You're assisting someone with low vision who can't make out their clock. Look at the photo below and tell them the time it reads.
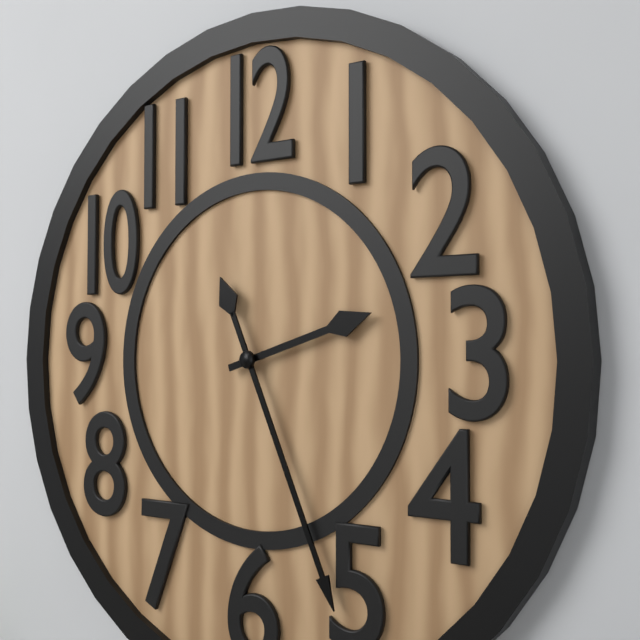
2:26
